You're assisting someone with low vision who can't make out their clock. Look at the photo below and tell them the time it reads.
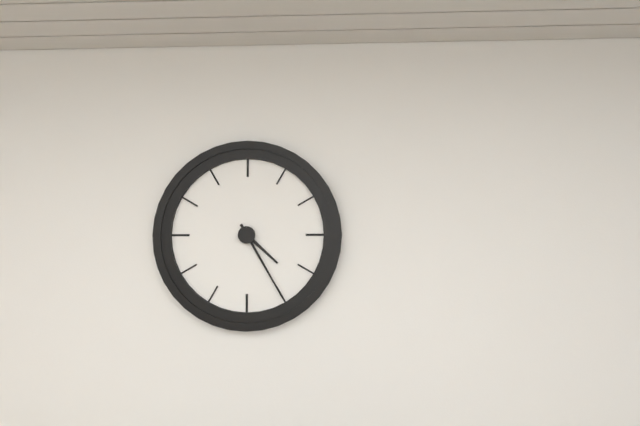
4:25
